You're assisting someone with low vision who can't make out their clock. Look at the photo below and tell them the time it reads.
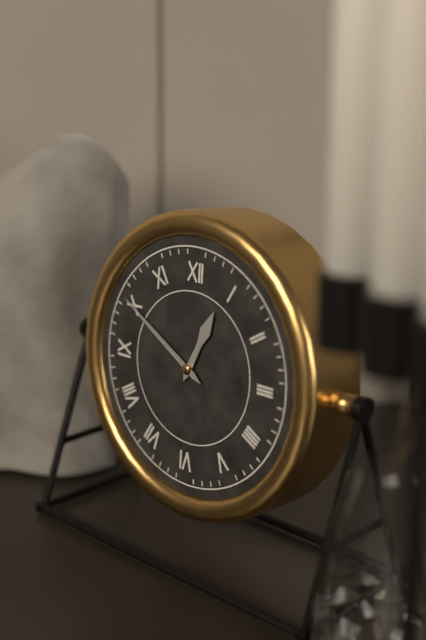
12:50
